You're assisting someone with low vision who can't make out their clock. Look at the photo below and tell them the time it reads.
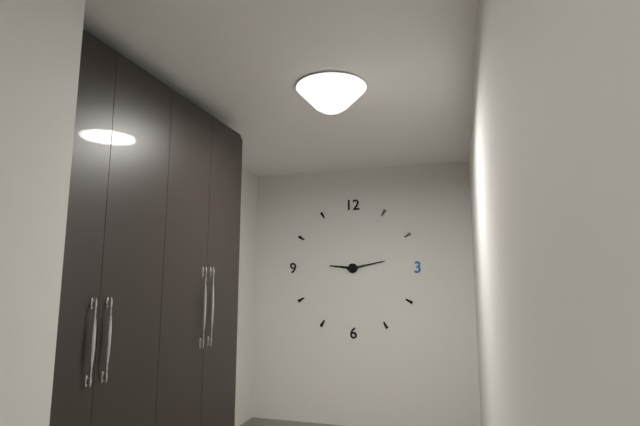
9:13
